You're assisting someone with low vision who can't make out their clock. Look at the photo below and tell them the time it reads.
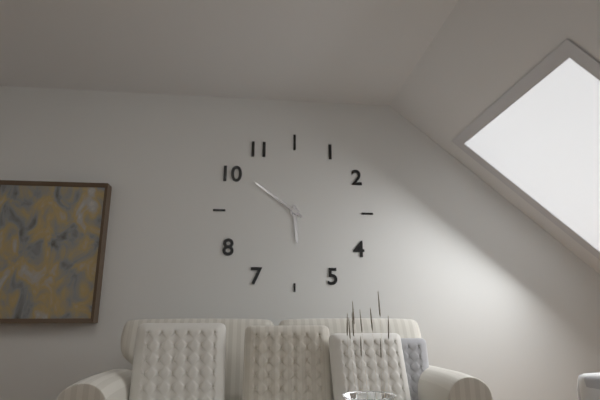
5:51
